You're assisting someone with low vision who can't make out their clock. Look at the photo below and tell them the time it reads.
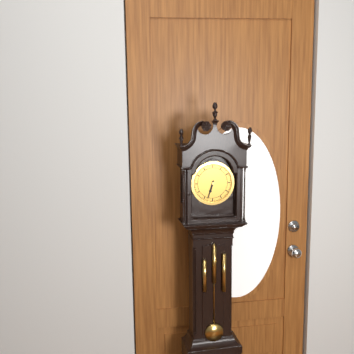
6:33
